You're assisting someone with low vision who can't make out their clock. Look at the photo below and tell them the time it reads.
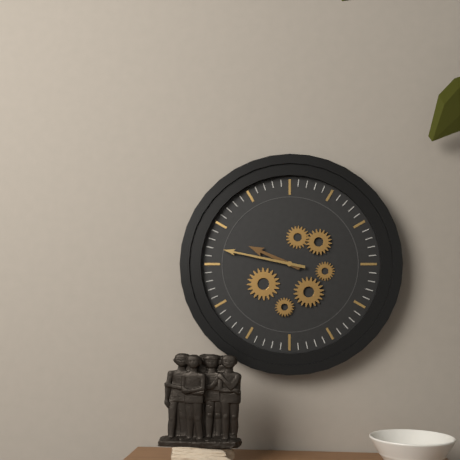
9:47
